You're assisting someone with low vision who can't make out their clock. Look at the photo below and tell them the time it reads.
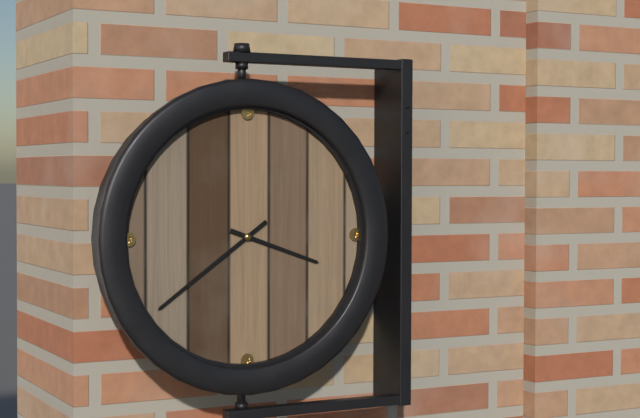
3:39
